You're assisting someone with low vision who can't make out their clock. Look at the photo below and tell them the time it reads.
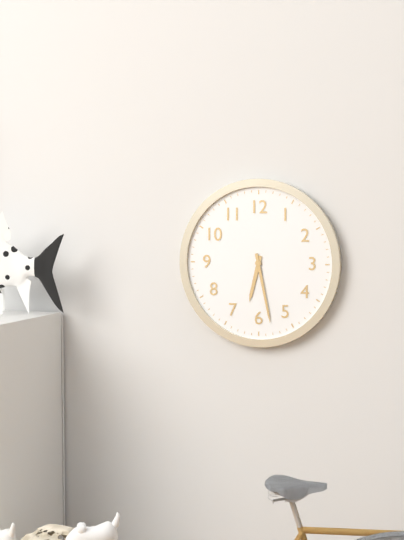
6:28
